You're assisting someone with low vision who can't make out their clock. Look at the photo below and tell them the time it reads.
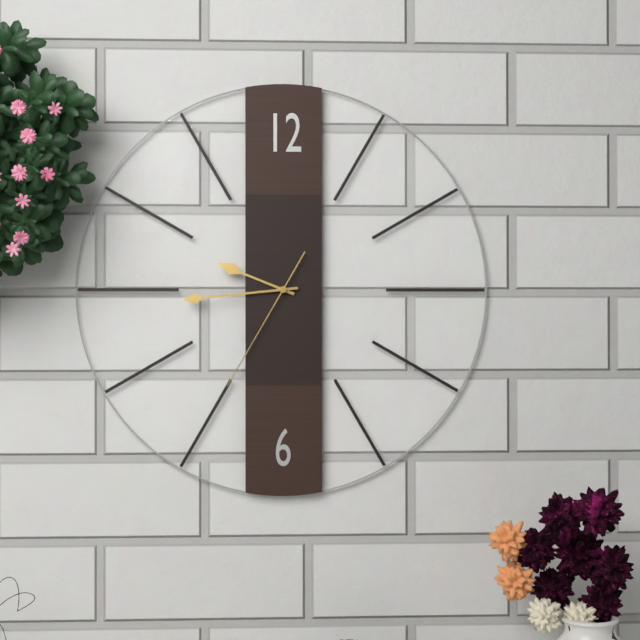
9:44:35
